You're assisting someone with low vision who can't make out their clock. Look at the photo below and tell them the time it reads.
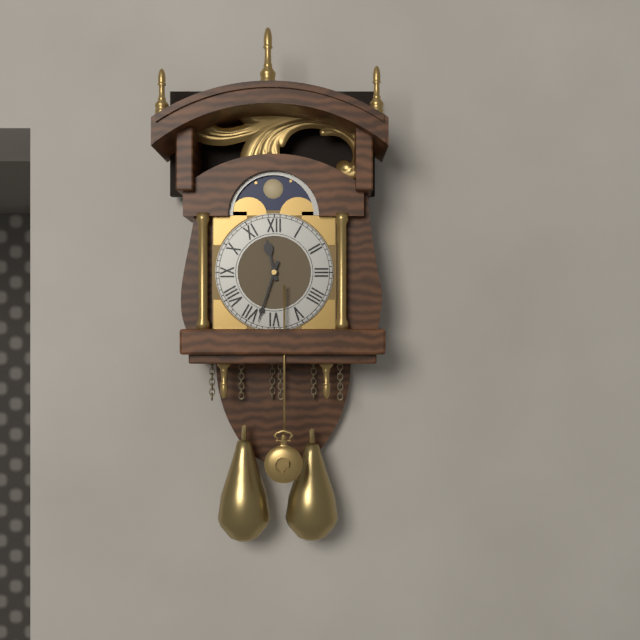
11:33
